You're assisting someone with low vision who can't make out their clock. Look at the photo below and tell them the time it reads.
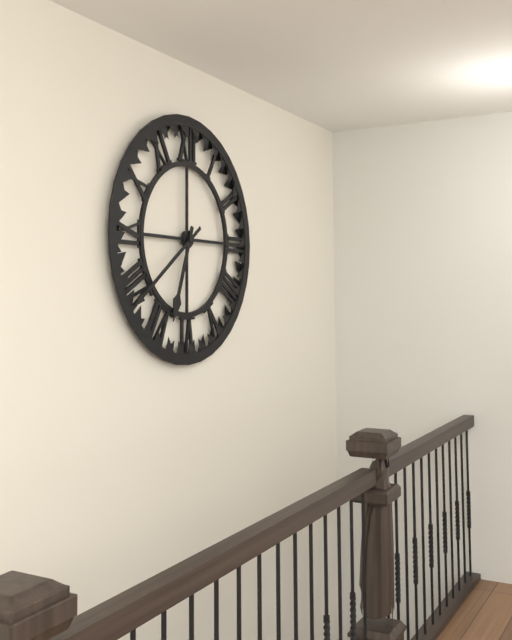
6:39
